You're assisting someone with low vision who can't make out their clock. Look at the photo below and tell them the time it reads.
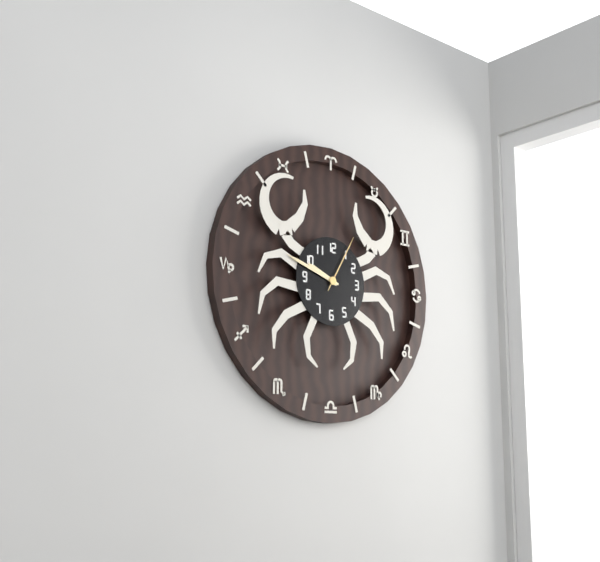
9:48:05
